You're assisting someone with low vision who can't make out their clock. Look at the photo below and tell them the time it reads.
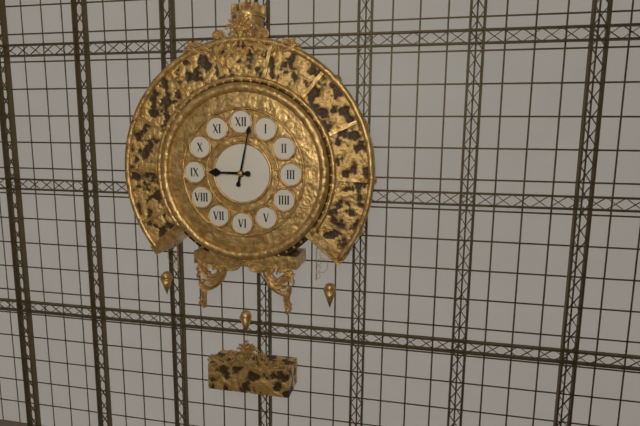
9:02
